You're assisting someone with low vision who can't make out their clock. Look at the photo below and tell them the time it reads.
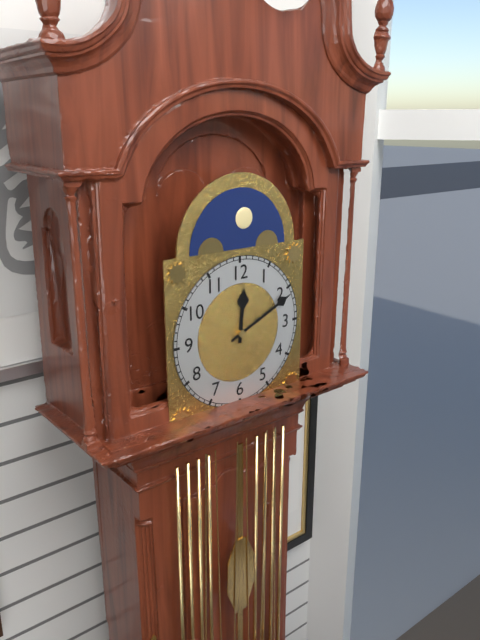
12:11
